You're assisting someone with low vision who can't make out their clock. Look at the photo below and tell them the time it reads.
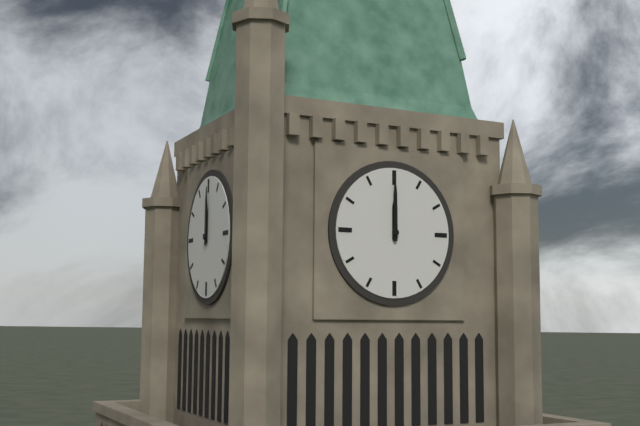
12:00
